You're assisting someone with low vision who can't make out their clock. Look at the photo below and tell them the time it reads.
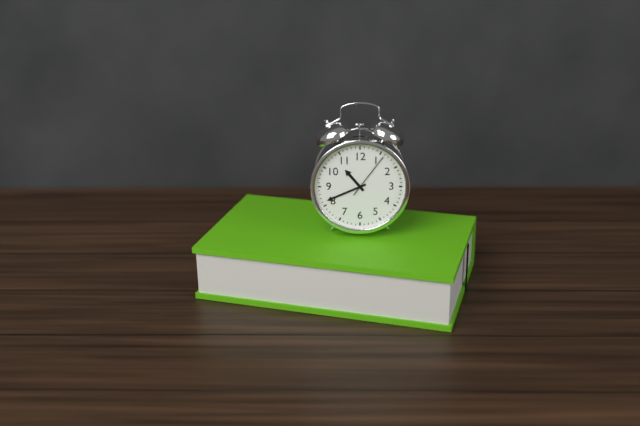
10:41
